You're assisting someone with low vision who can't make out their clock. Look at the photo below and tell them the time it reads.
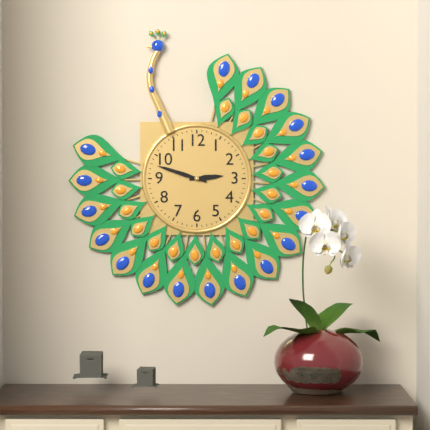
2:48
